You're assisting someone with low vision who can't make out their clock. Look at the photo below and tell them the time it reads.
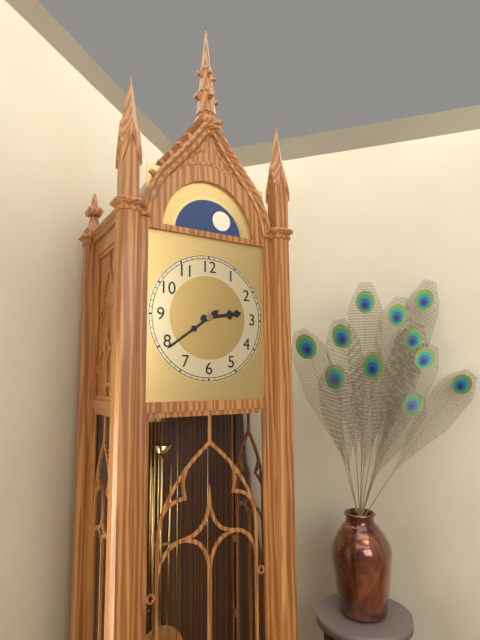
2:39
